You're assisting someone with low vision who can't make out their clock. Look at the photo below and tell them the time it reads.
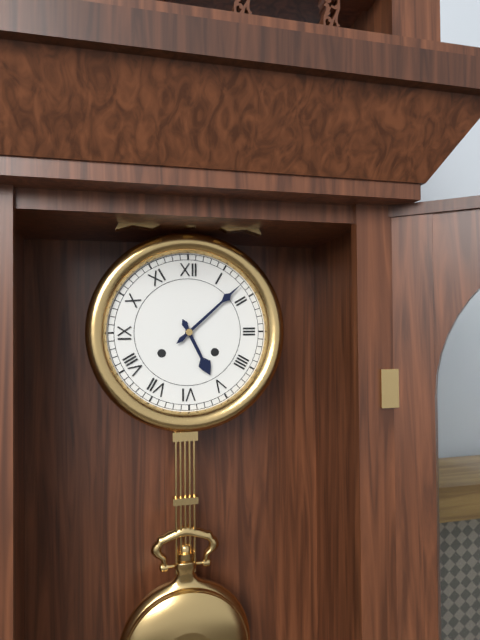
5:08
